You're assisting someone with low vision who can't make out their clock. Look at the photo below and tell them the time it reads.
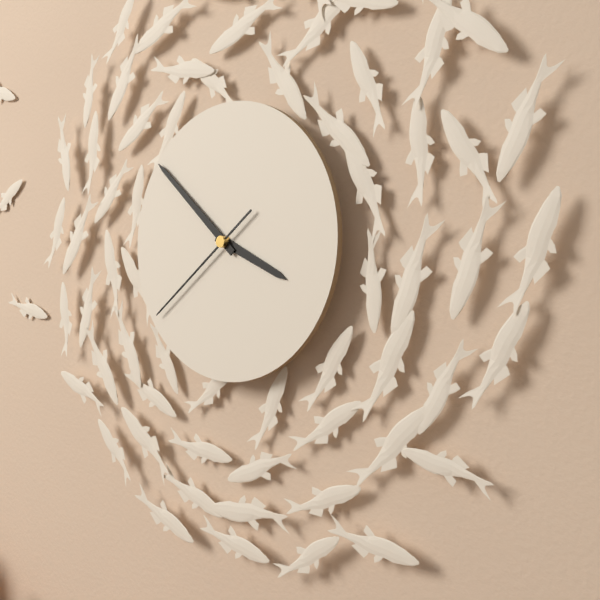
3:52:39
